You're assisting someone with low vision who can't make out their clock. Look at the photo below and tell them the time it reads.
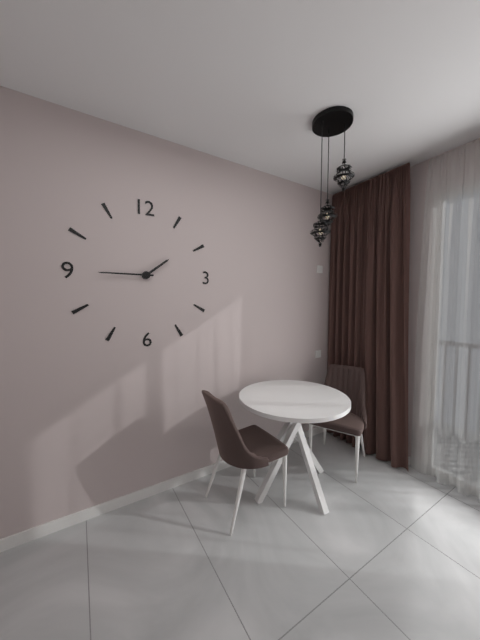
1:45
